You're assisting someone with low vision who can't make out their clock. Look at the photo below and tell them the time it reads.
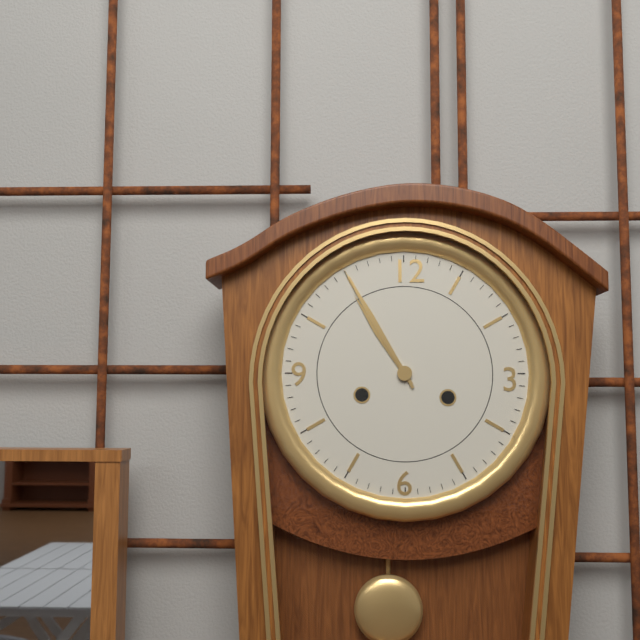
10:55
